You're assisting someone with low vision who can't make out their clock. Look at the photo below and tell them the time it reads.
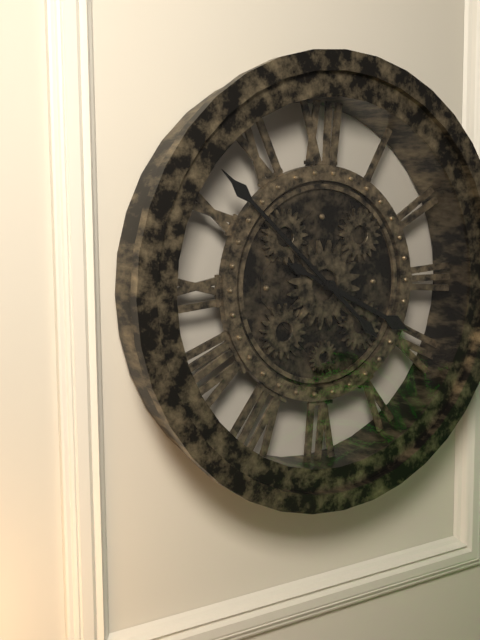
3:52
